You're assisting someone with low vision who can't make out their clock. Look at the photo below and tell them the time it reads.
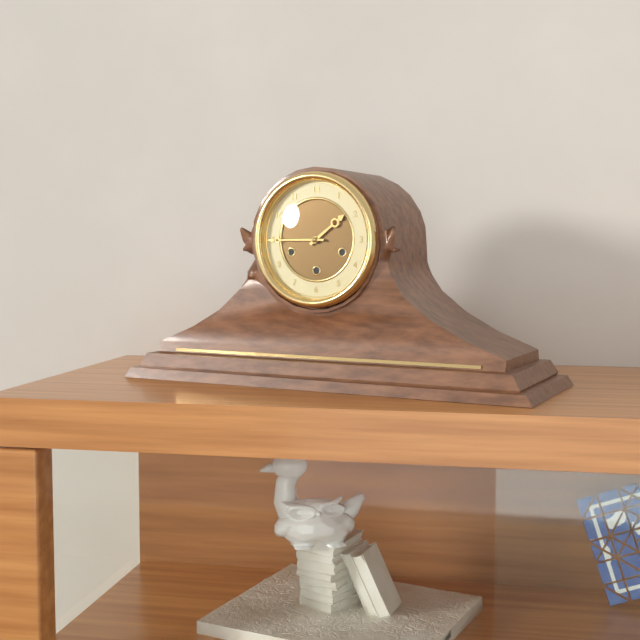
1:45
